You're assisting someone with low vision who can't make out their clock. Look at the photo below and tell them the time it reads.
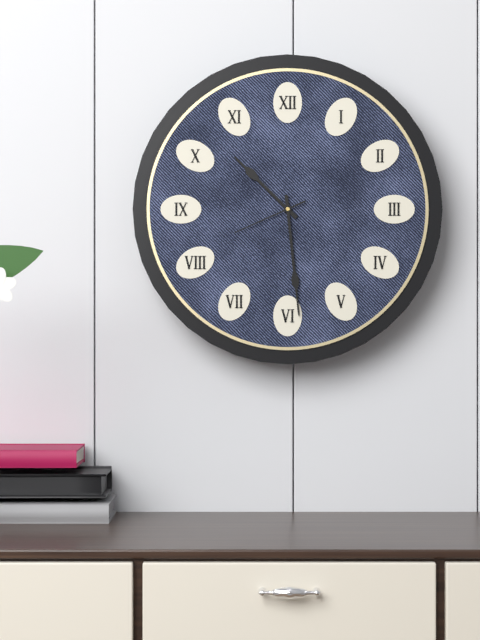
10:29:41
